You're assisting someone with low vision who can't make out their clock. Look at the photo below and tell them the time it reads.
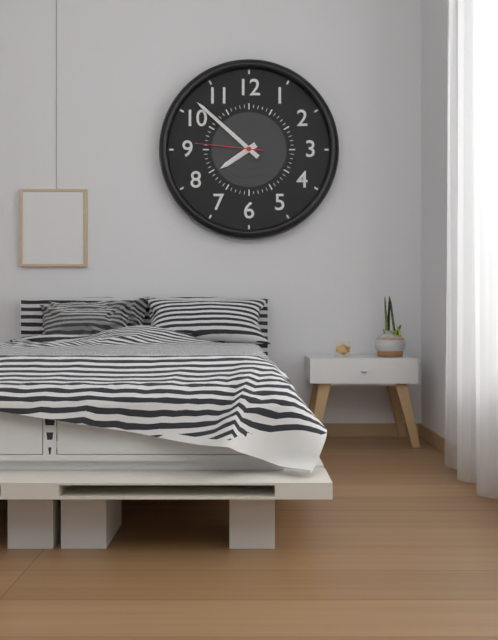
7:52:46
